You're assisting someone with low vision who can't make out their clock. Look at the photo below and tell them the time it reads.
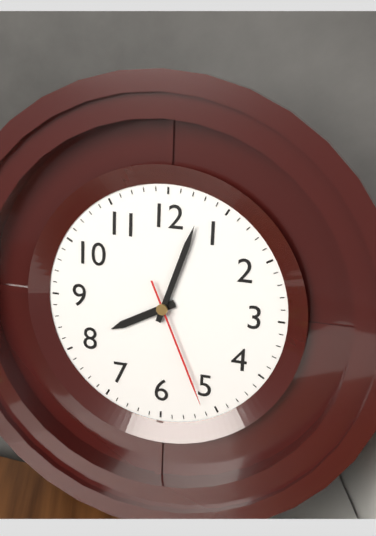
8:03:26
